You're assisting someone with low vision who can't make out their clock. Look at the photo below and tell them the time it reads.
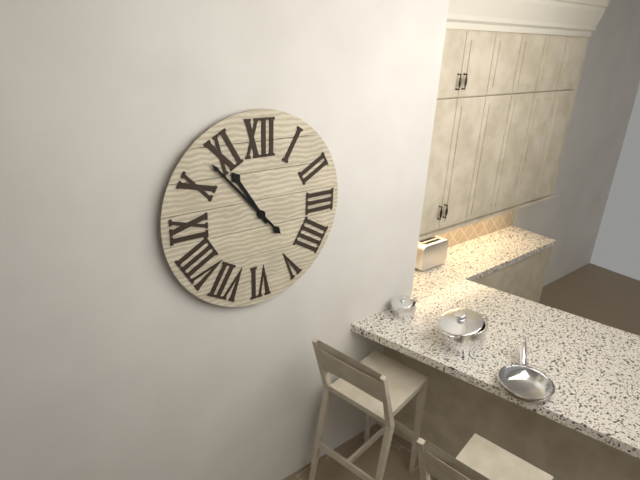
10:53
